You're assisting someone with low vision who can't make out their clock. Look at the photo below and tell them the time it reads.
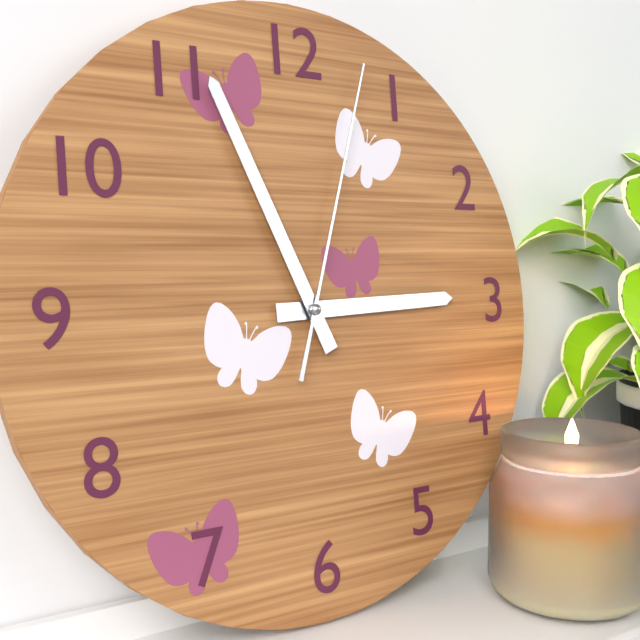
2:56:03
